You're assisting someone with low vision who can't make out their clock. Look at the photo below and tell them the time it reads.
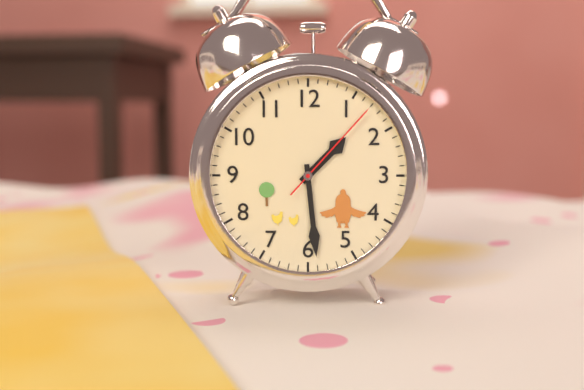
1:29:07
